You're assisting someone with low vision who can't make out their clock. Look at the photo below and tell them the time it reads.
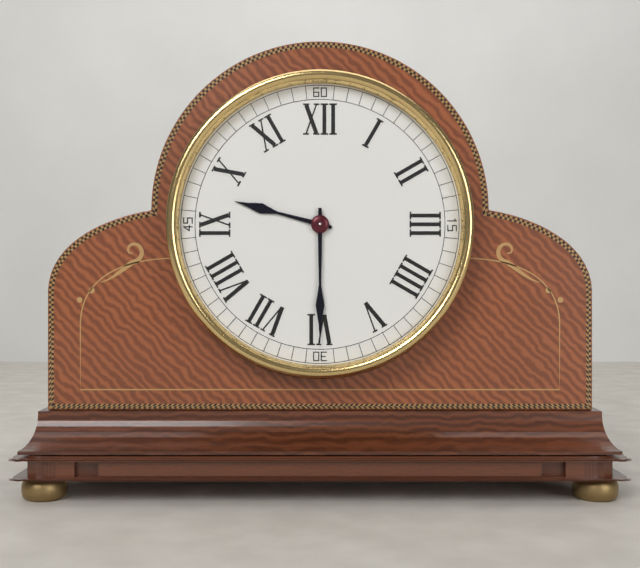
9:30
